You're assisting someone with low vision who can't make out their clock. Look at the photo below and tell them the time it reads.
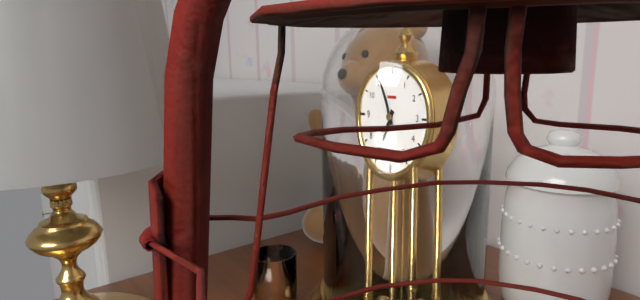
6:56
